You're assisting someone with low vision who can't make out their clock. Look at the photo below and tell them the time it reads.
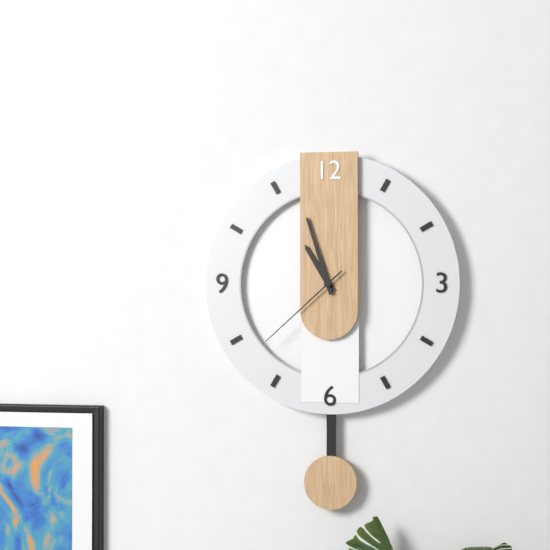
10:57:38
